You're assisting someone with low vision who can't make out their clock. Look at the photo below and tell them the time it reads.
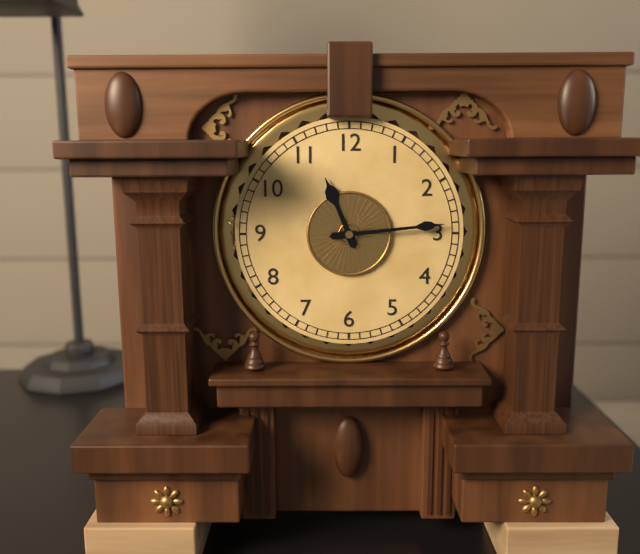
11:14
